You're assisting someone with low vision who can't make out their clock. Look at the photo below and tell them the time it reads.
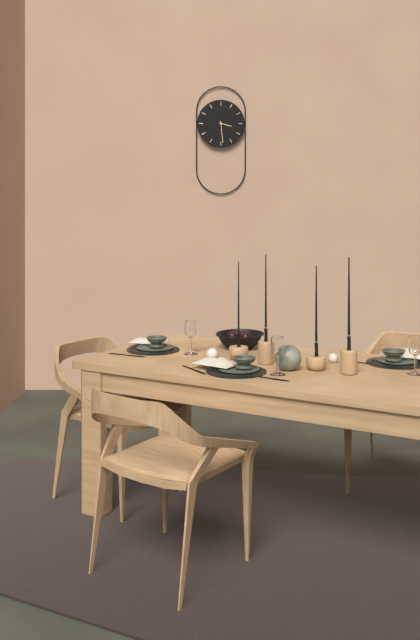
3:29
